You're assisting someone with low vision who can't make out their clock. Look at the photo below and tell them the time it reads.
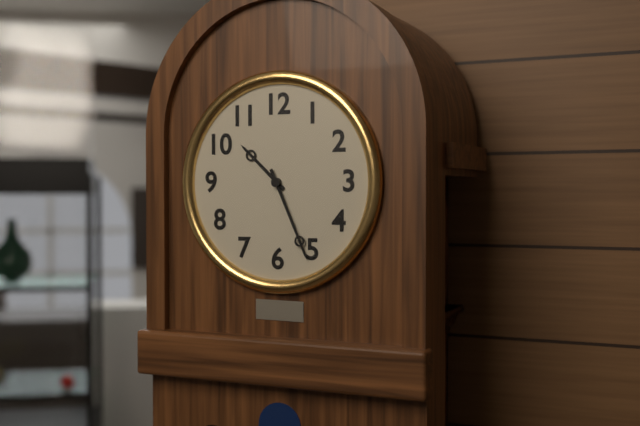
10:26
